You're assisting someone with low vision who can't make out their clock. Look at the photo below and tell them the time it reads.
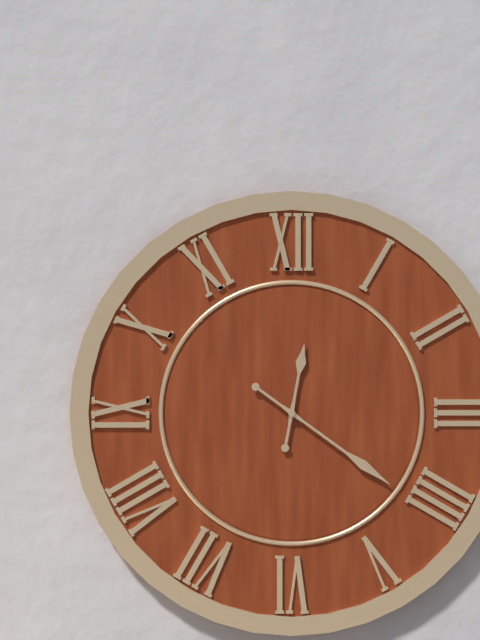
12:21
